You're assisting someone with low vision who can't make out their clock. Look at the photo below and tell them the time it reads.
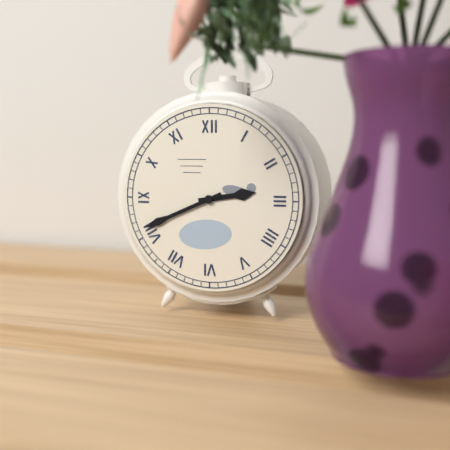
2:41
